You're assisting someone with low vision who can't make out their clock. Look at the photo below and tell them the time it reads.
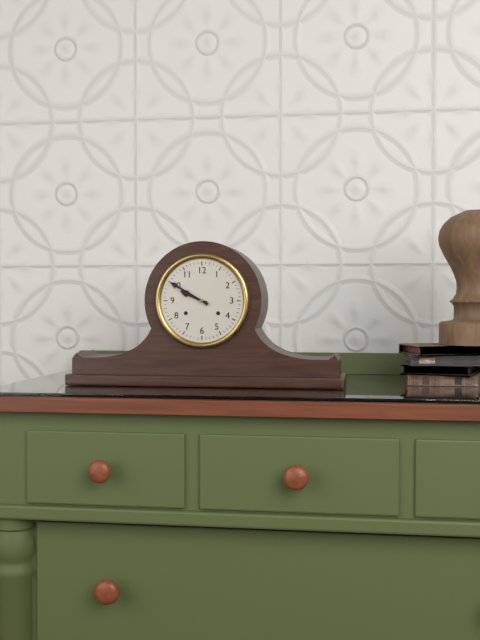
9:50
